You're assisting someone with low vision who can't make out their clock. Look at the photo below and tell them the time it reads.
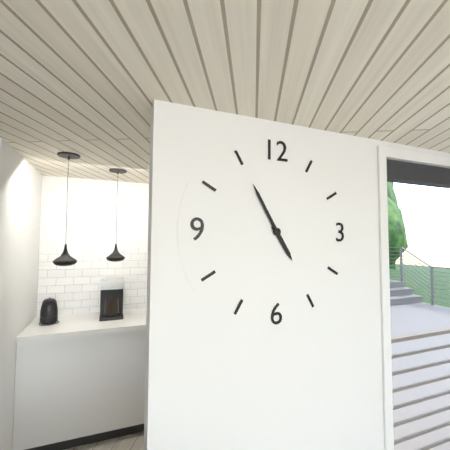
4:55
